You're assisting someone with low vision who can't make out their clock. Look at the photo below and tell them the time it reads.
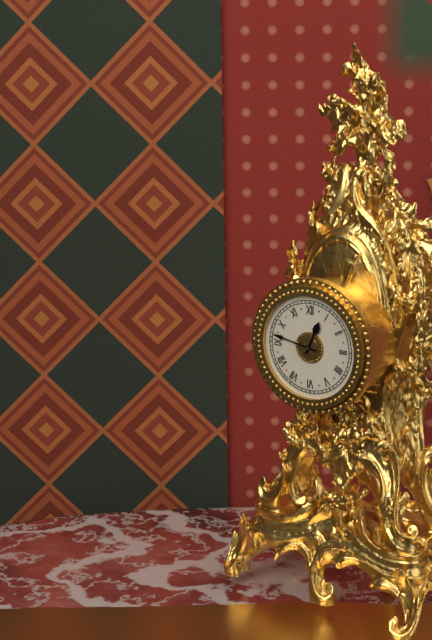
12:47
